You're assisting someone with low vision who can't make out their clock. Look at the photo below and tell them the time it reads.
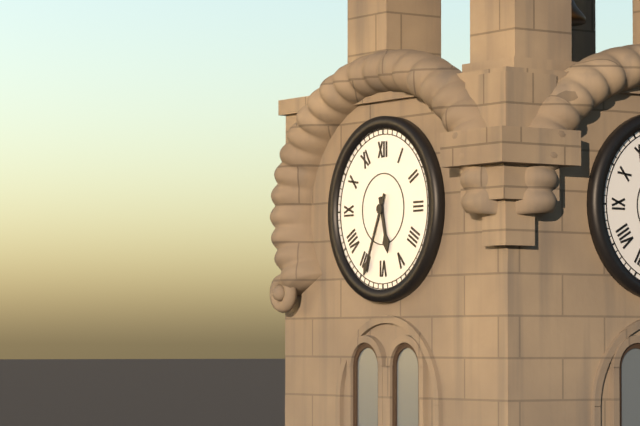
5:34
